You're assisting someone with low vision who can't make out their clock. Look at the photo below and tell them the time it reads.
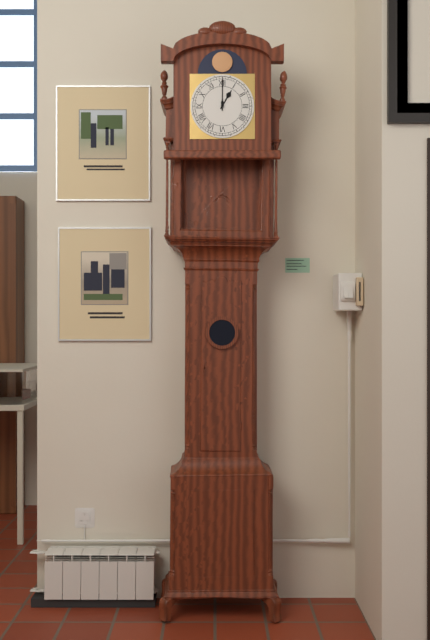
1:00
